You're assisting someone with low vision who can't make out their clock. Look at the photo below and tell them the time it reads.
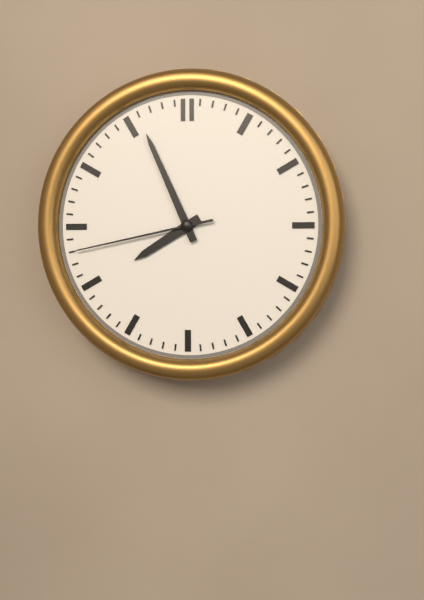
7:56:43
